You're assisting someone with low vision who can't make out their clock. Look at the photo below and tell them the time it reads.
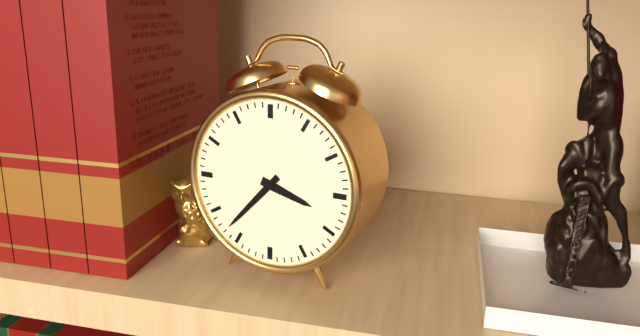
3:37
